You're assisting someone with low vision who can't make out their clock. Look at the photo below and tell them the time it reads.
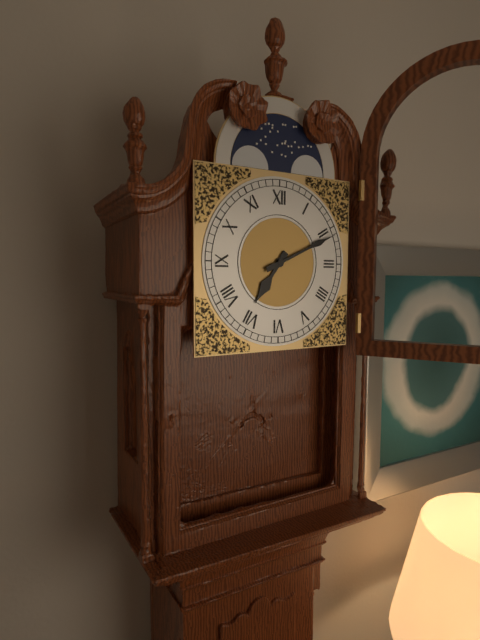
7:11
